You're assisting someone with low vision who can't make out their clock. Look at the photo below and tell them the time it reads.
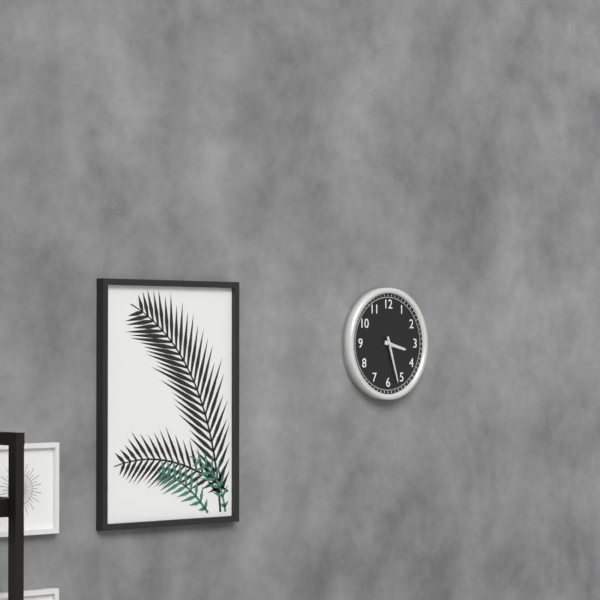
3:27
